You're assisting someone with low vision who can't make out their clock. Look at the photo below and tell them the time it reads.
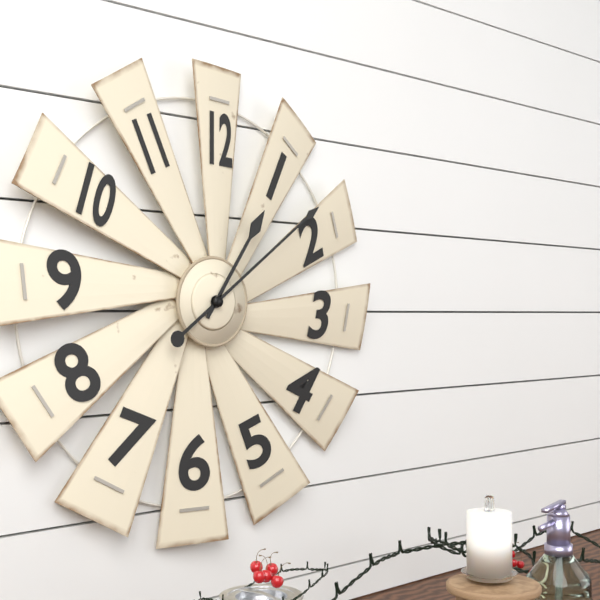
1:09
